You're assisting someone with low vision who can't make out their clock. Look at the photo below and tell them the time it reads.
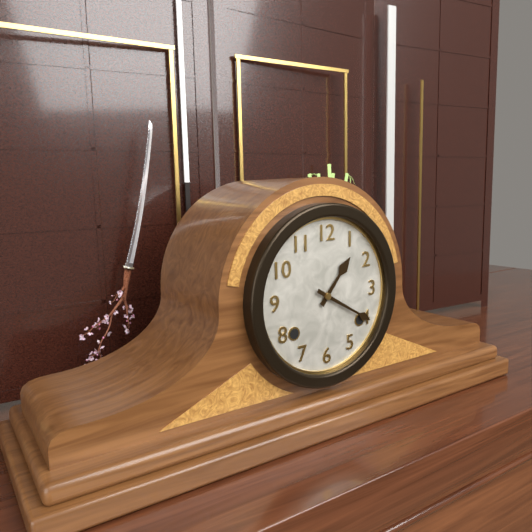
1:20
